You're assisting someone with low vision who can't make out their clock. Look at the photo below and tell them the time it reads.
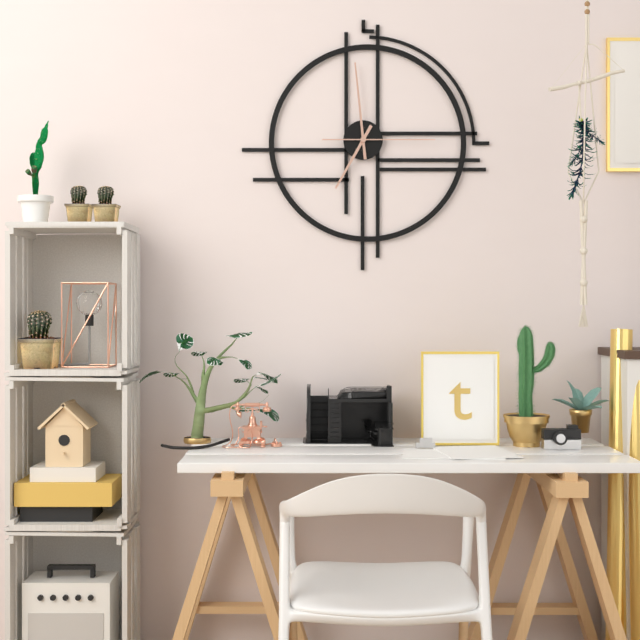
6:59:15
